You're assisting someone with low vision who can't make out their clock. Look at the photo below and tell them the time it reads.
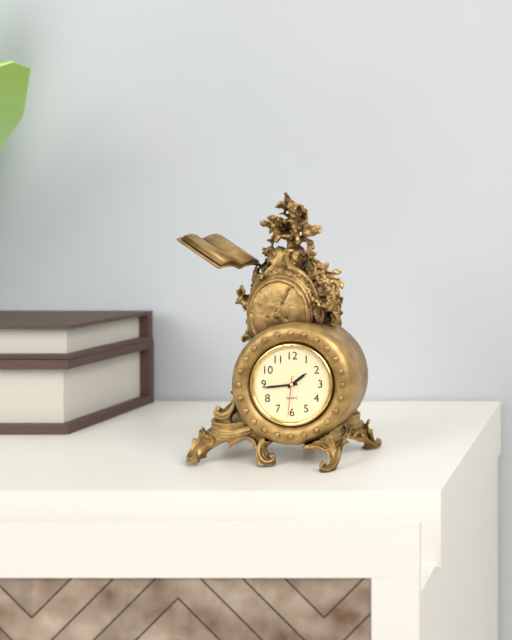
1:44
